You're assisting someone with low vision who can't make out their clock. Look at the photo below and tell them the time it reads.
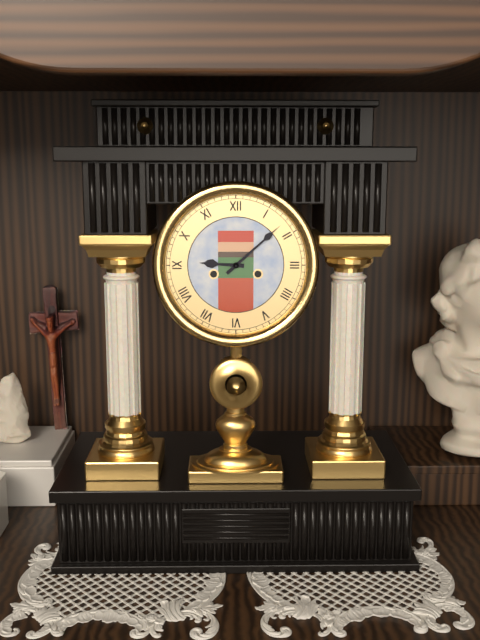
9:08
